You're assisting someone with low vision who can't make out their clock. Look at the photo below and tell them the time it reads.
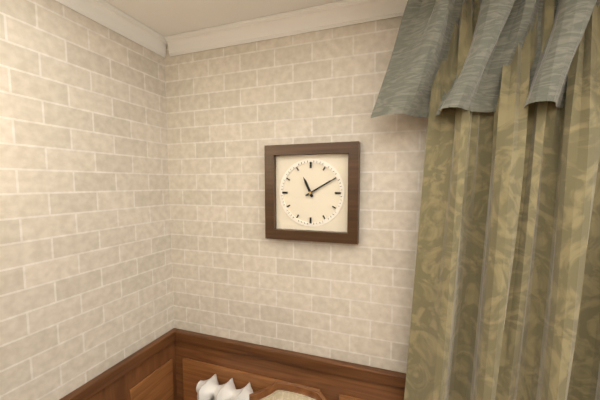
11:10
